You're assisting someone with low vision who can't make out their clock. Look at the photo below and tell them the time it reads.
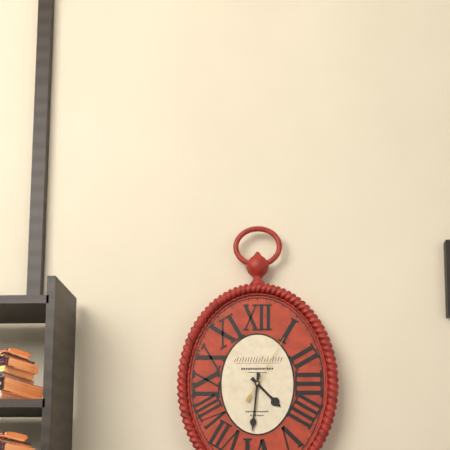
4:31:05
